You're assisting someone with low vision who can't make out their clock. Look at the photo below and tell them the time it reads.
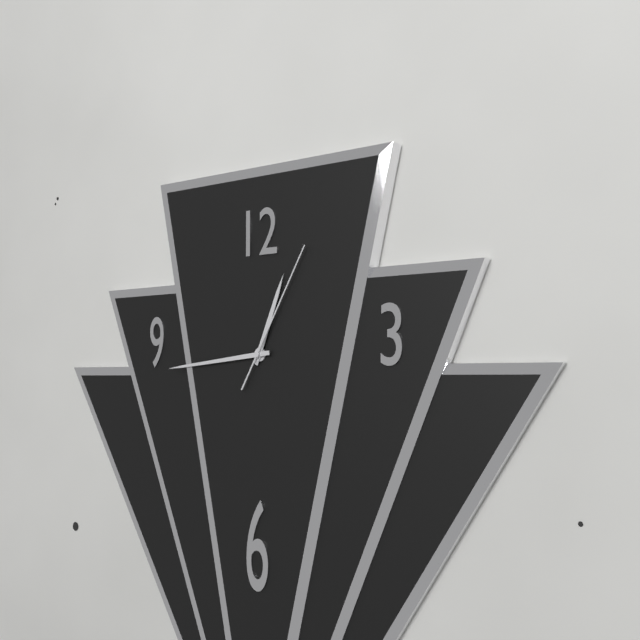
12:44:05
